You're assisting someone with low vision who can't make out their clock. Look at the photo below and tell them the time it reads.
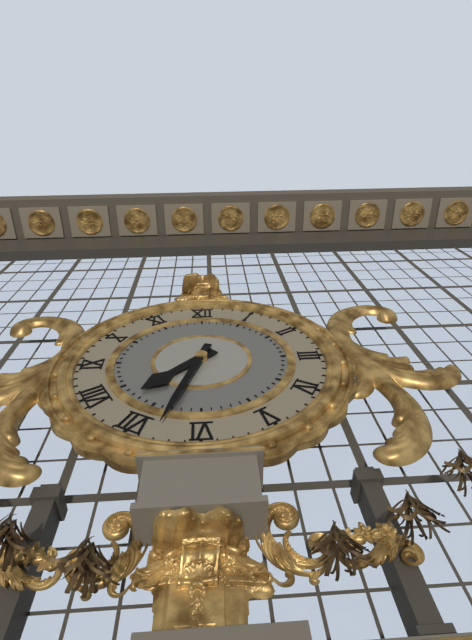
7:33
